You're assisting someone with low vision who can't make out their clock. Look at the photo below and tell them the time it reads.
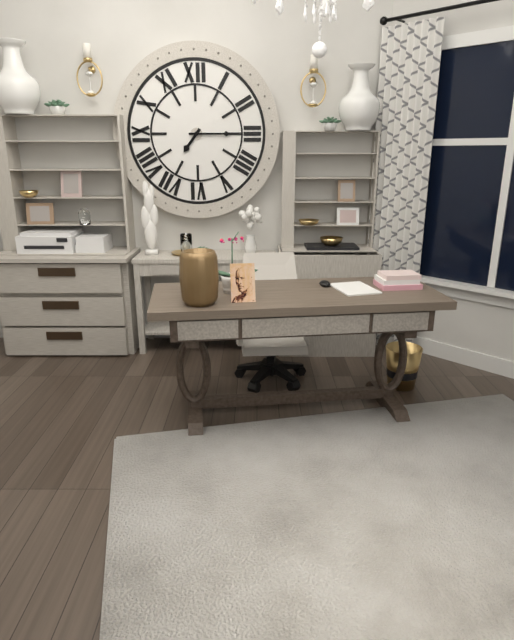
7:15
